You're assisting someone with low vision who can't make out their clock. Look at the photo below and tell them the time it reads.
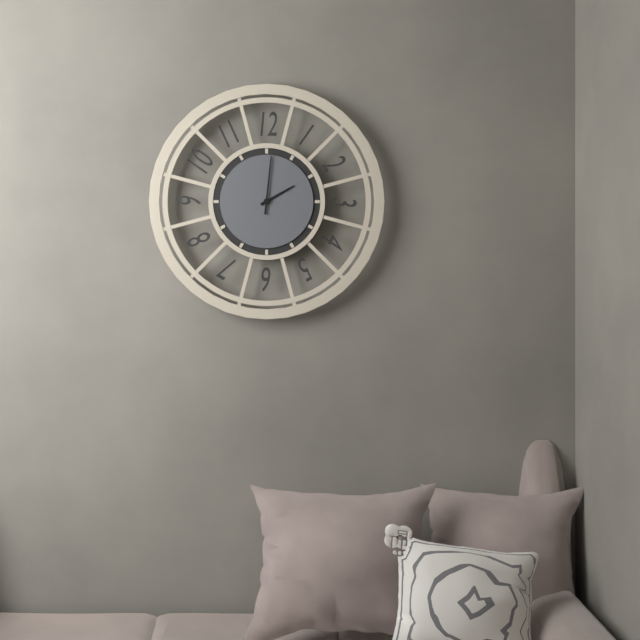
2:01
